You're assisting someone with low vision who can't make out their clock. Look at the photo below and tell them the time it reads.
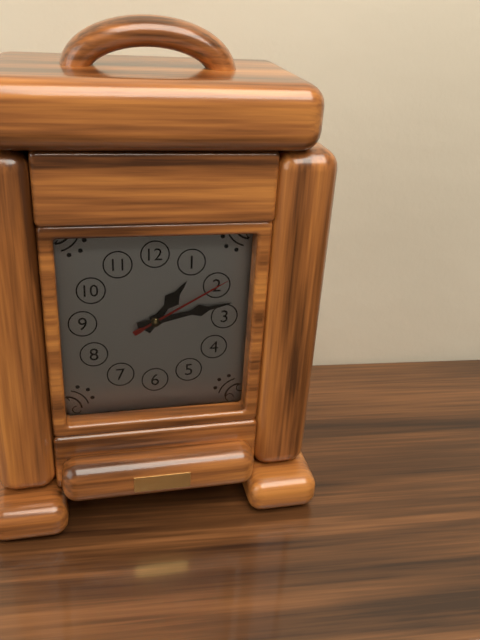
1:13:10
